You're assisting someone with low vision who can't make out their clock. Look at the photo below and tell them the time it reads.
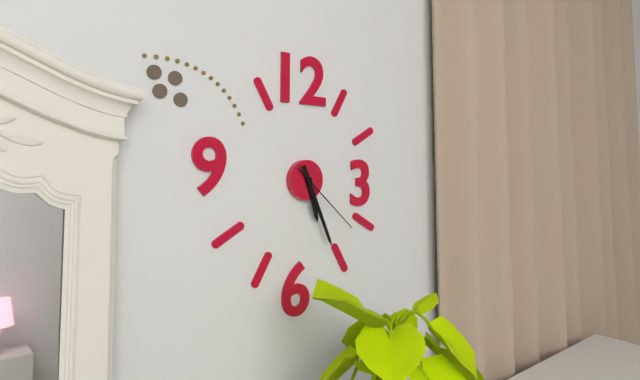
5:26:22
